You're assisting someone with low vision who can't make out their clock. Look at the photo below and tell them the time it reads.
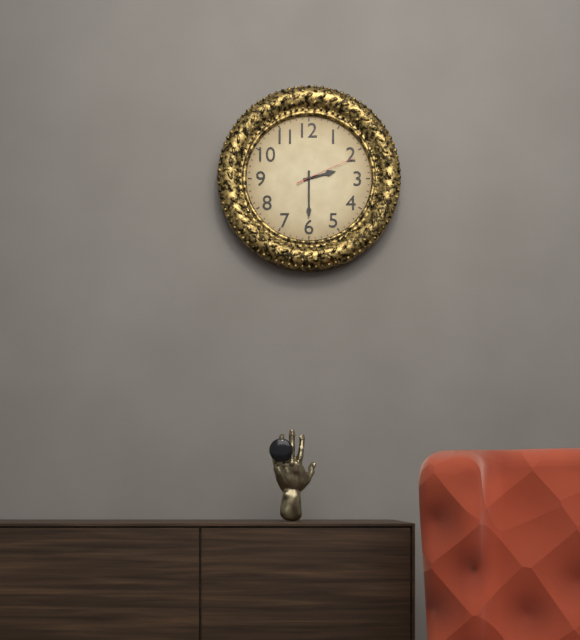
2:30:11
